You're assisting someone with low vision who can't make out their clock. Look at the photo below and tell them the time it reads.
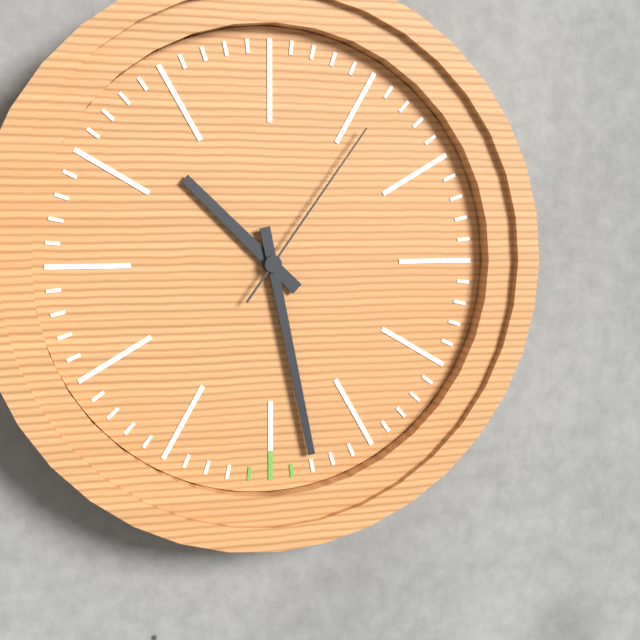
10:28:06
